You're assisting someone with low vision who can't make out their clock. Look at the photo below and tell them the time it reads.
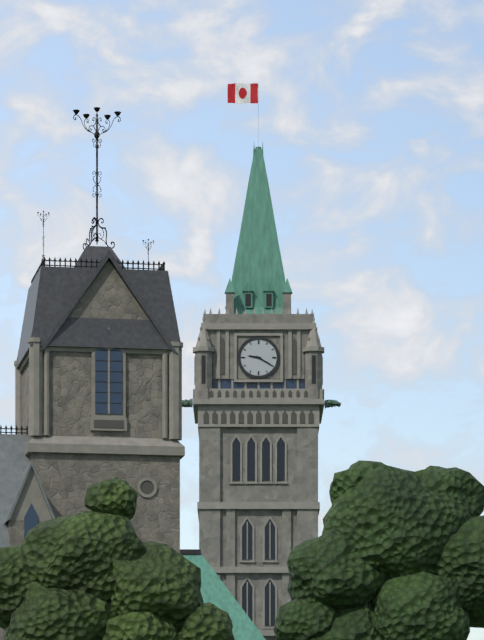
9:20
